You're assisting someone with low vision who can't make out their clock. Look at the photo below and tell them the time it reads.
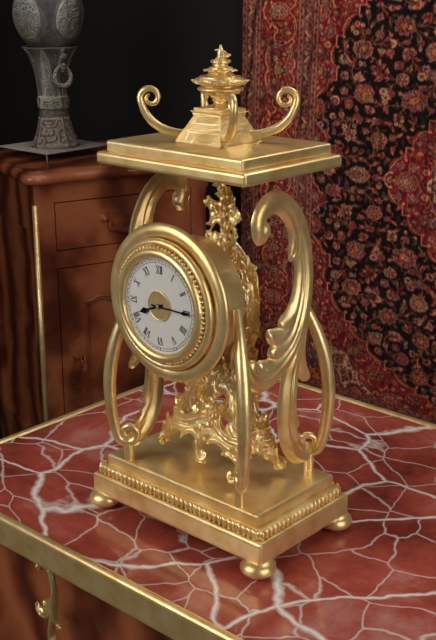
8:15
